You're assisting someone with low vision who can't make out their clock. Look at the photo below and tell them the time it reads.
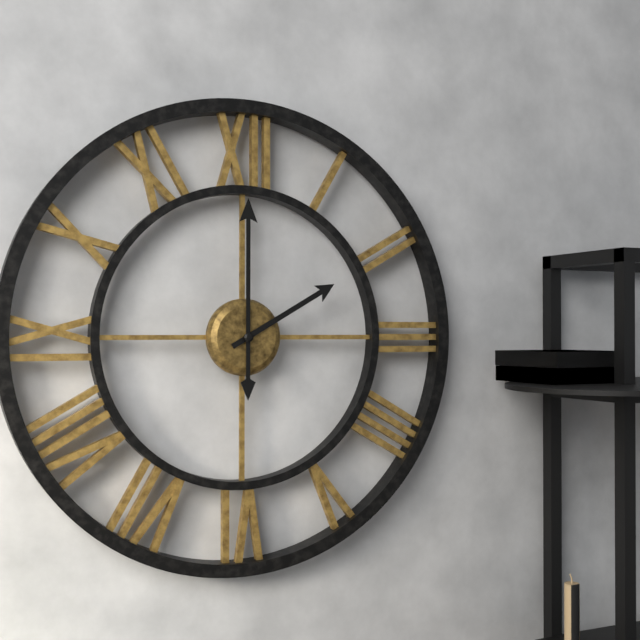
2:00
